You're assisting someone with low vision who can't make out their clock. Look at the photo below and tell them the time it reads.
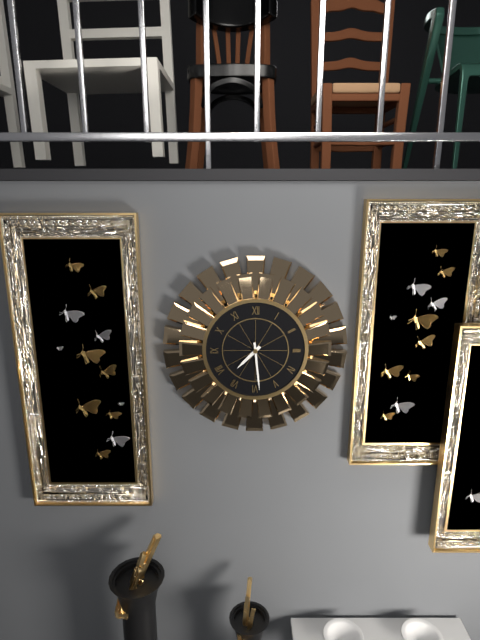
7:29
